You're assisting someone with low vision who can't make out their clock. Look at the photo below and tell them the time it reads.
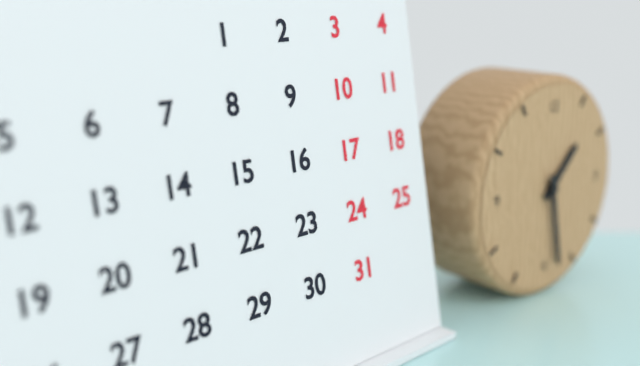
1:28
